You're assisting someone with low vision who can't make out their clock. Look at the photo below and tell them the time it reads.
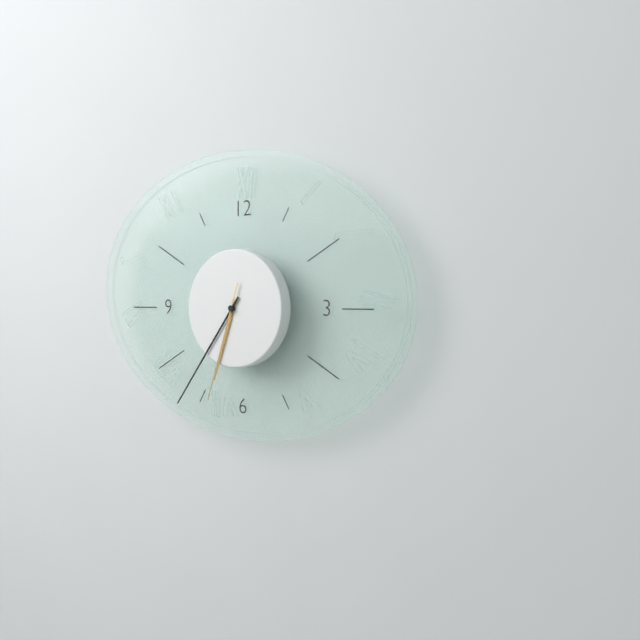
6:36:33
